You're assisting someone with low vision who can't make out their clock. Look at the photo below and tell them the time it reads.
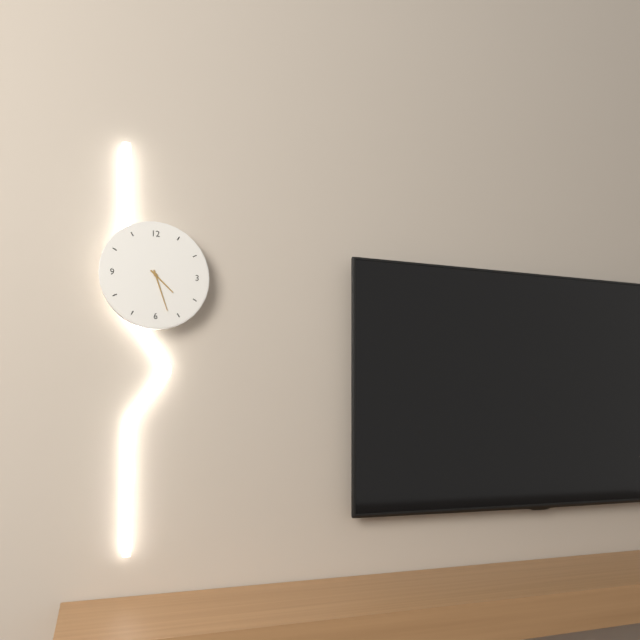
4:27
